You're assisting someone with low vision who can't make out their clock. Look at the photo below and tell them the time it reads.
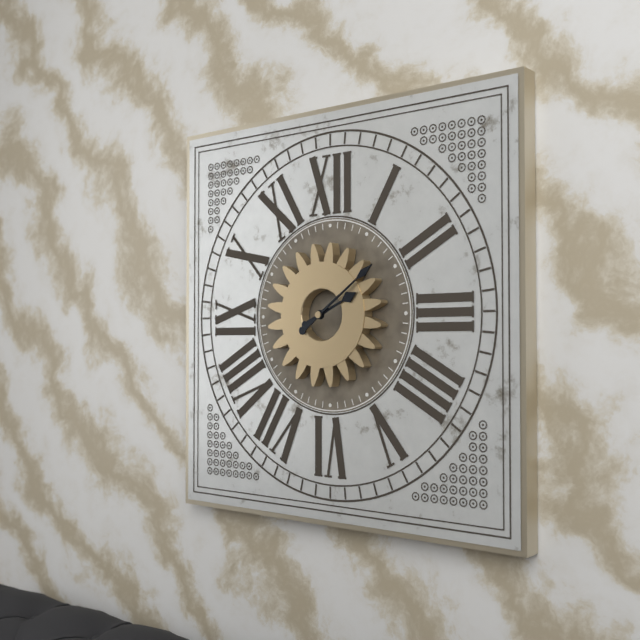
2:09
